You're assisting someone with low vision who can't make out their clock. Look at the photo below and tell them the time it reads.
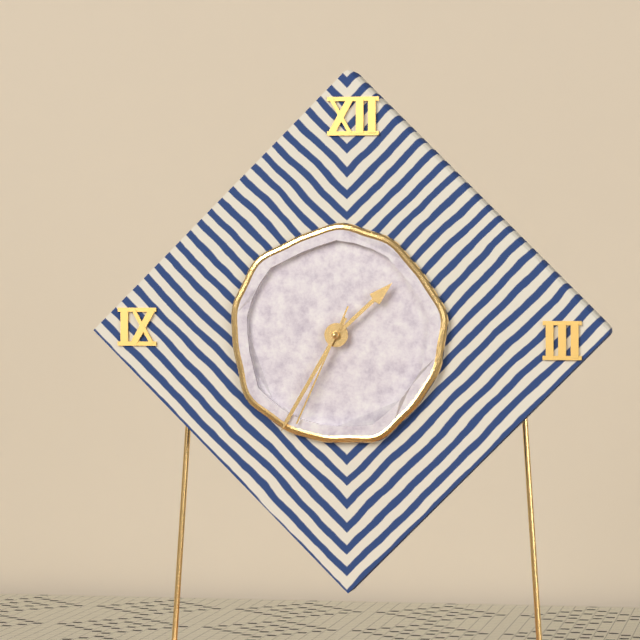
1:35:34
